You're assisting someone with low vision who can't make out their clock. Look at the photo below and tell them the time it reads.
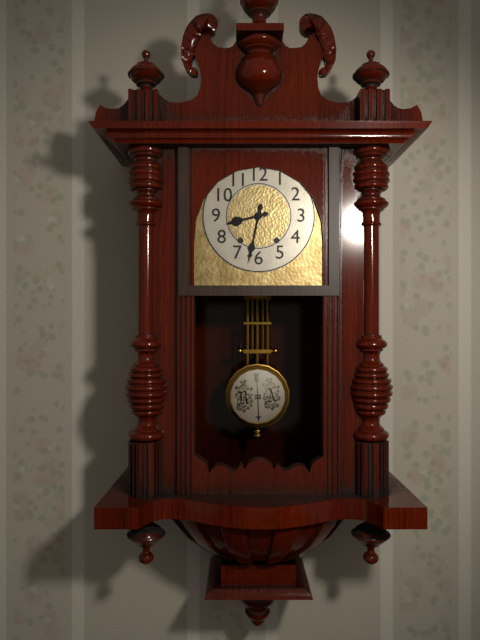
8:32
